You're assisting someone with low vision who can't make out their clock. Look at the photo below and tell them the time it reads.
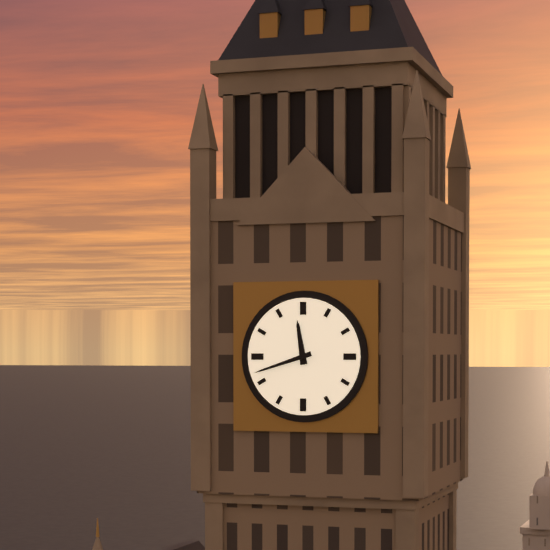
11:42
